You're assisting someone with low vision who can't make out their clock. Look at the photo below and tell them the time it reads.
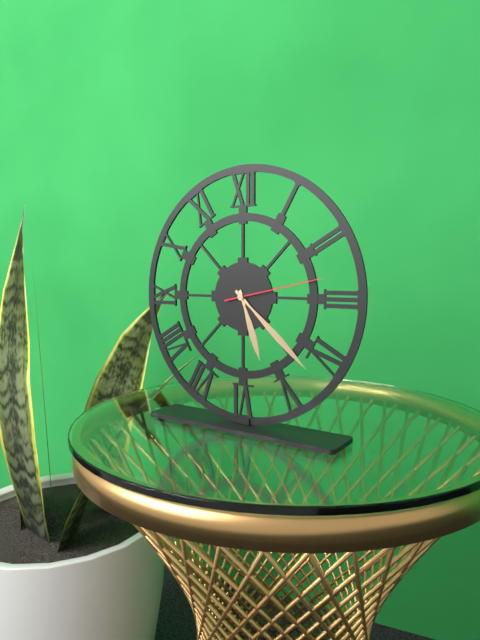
5:22:13
